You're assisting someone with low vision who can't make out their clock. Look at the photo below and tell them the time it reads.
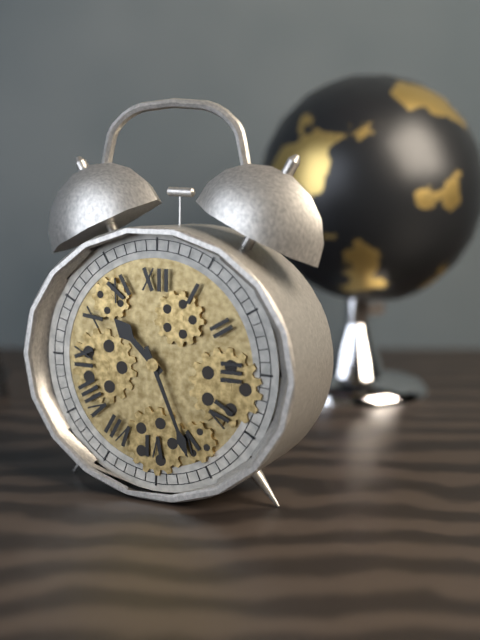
10:26
